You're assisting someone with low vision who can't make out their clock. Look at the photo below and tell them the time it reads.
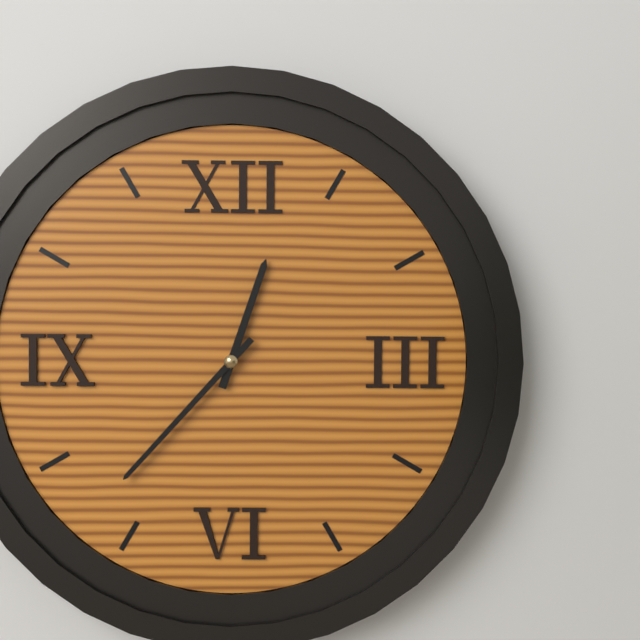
12:37
